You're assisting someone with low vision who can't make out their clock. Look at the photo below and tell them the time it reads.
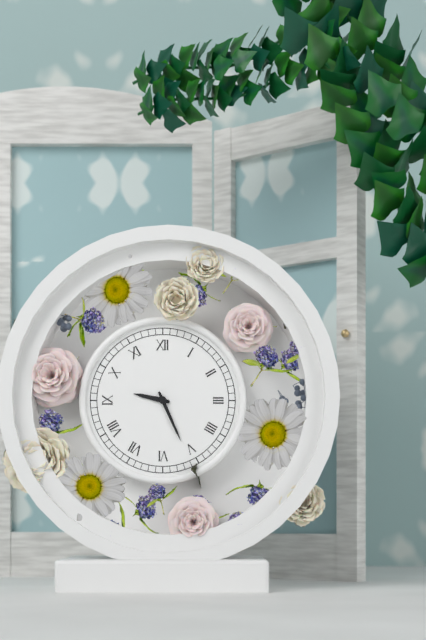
9:26
